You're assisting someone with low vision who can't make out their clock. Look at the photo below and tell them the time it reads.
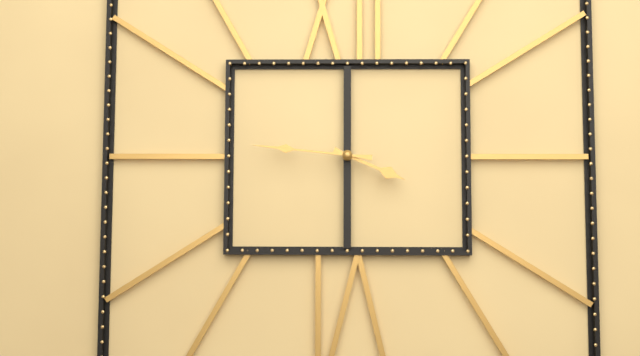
3:46
